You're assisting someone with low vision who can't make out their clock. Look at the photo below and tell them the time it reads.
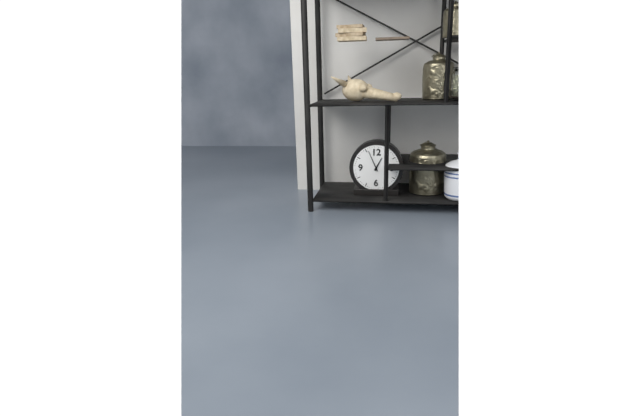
12:56
